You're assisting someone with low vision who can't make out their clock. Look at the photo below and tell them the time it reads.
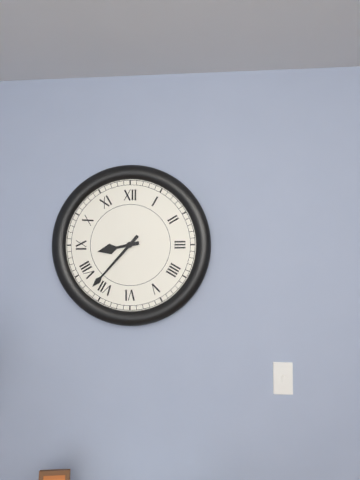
8:37
